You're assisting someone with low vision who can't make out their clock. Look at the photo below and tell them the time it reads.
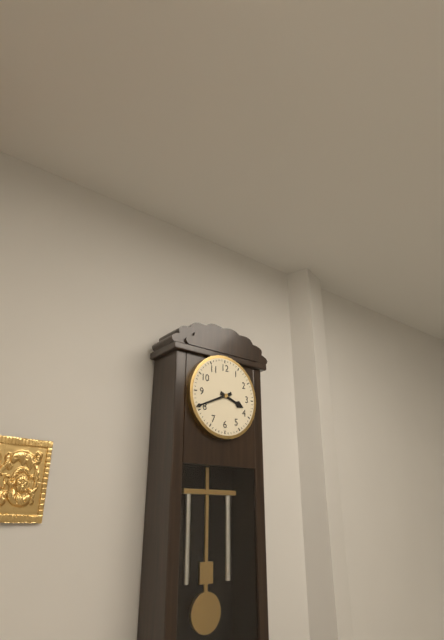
3:41
